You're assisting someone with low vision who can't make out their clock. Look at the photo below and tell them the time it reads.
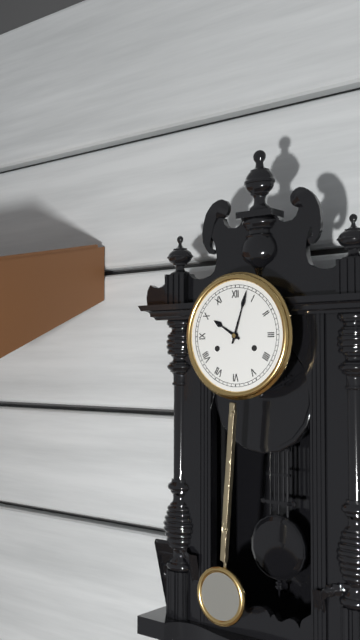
10:03
